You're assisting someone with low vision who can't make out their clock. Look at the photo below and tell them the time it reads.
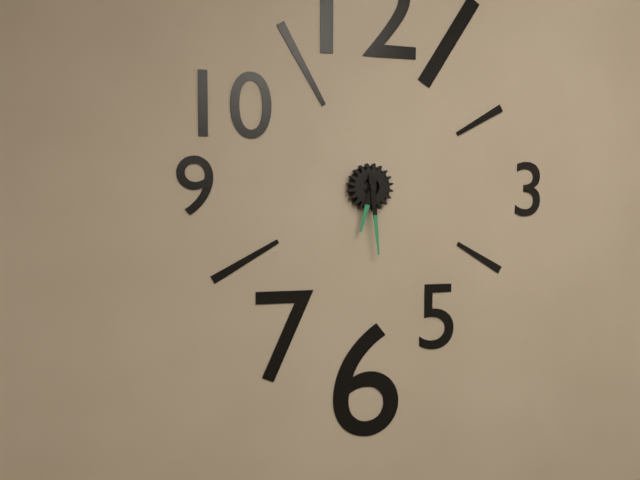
6:29
